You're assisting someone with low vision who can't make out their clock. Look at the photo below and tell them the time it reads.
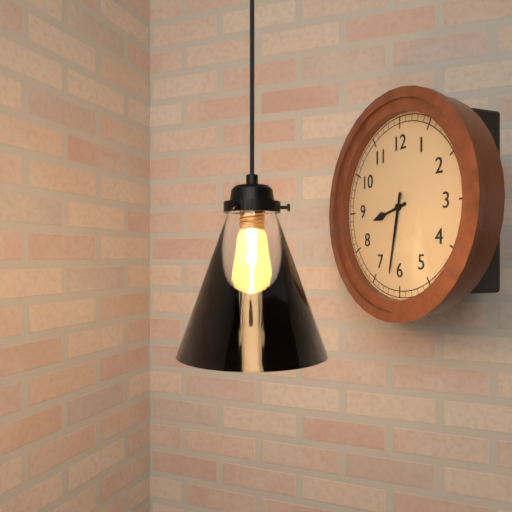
8:32
